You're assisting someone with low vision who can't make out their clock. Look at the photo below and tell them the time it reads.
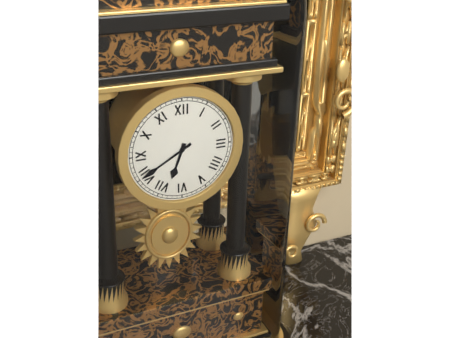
6:40
